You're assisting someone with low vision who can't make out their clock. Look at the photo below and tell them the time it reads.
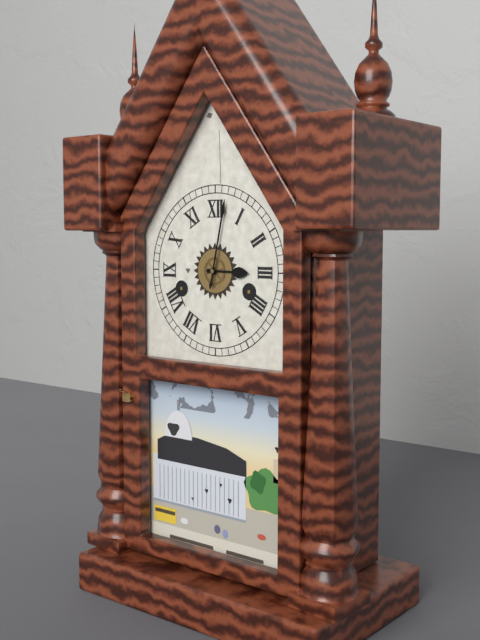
3:02
